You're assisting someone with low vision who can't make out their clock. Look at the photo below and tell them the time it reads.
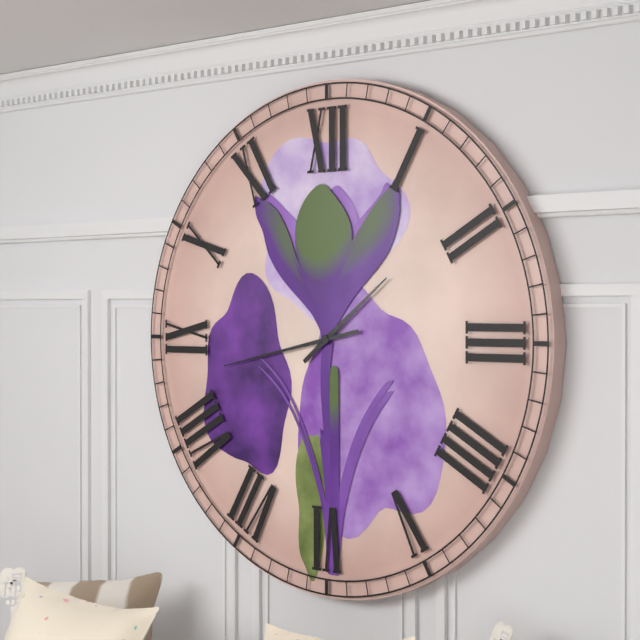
1:43
